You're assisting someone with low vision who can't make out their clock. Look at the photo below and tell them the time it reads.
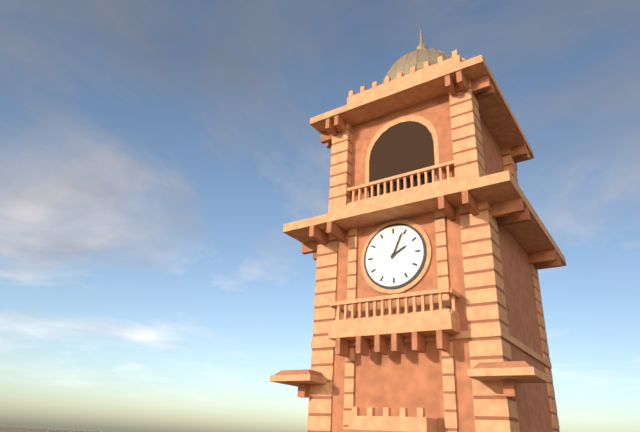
2:04
